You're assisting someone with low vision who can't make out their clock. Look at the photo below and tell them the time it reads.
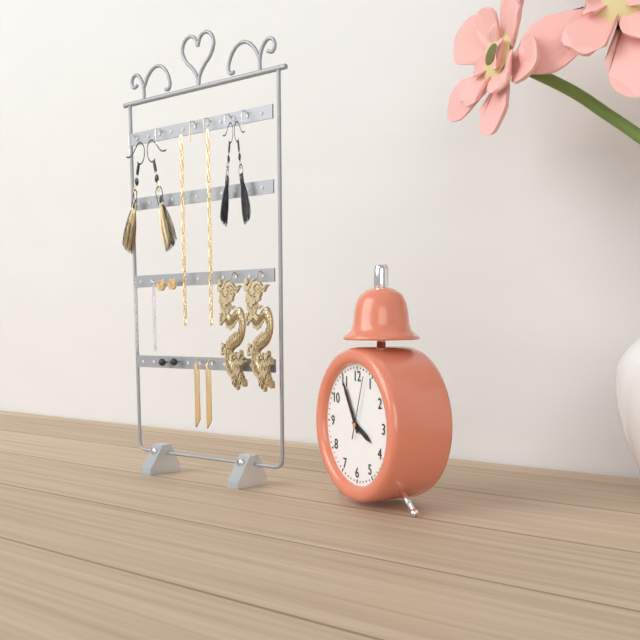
3:55:03
